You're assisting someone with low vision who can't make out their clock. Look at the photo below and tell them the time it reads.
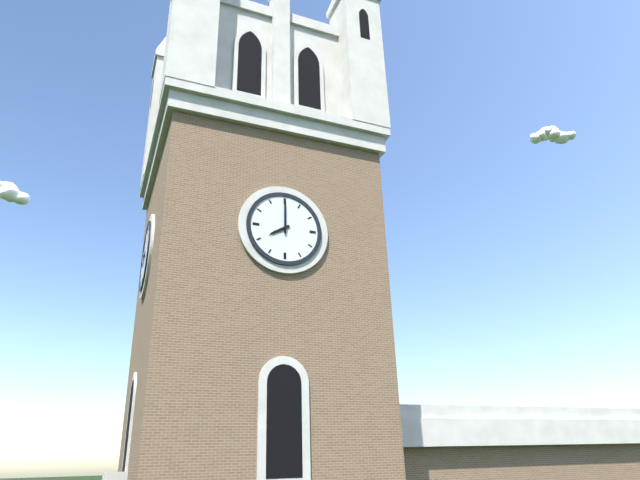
8:00
